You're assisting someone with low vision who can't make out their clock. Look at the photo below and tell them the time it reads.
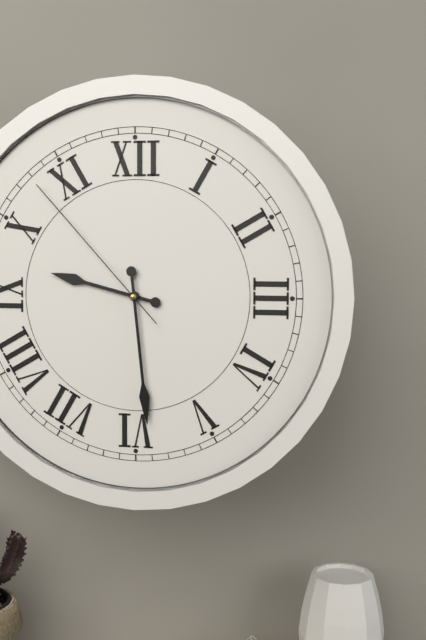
9:29:53
